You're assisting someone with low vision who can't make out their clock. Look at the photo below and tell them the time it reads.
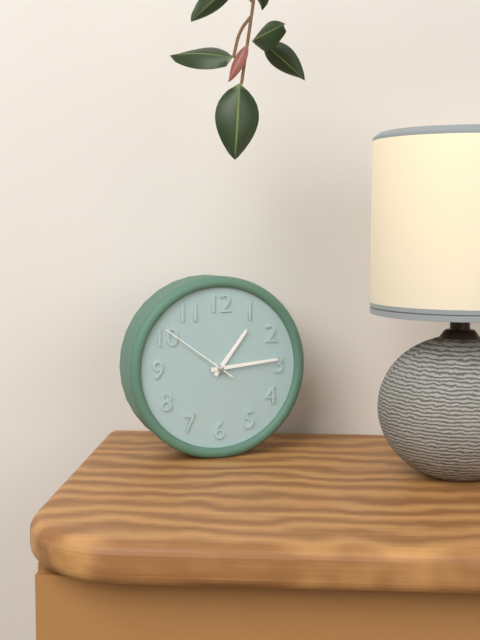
1:14:51
